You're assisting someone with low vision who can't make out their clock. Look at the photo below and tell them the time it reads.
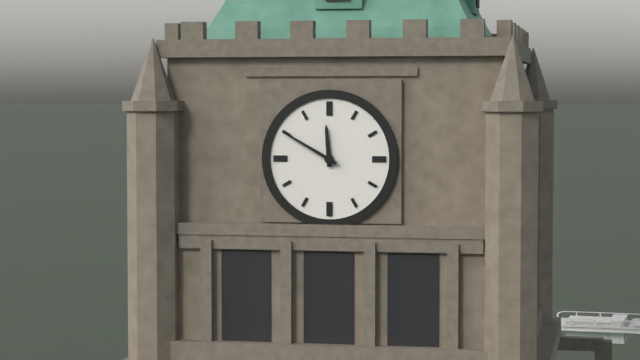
11:50
